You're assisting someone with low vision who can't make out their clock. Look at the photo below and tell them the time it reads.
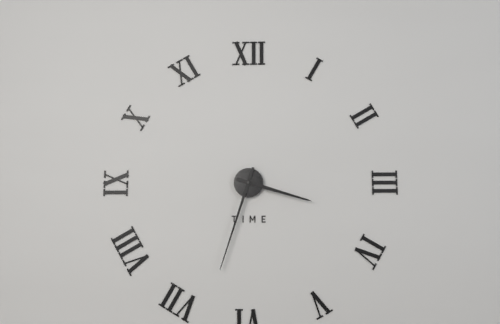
3:33
